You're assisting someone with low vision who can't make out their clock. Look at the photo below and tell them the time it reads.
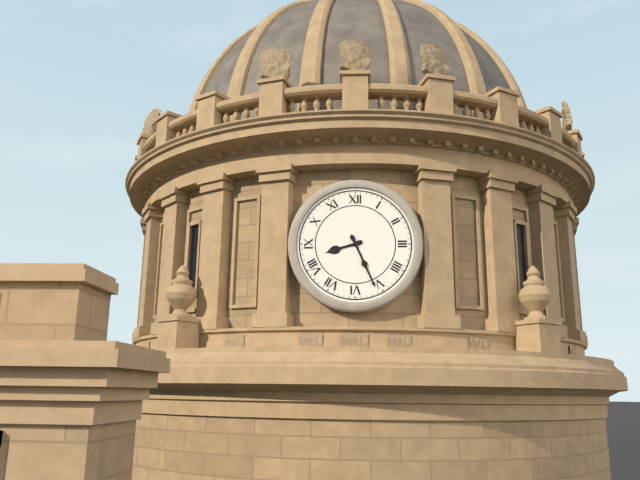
8:26
